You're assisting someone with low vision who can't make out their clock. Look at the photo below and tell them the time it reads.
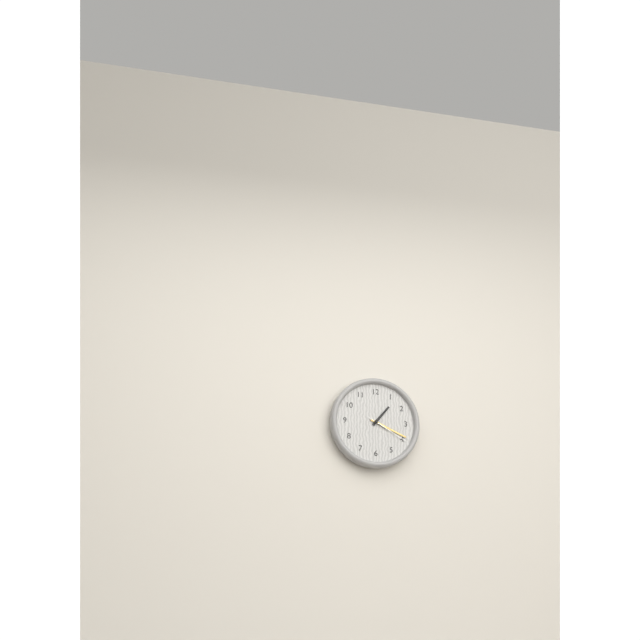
1:19
